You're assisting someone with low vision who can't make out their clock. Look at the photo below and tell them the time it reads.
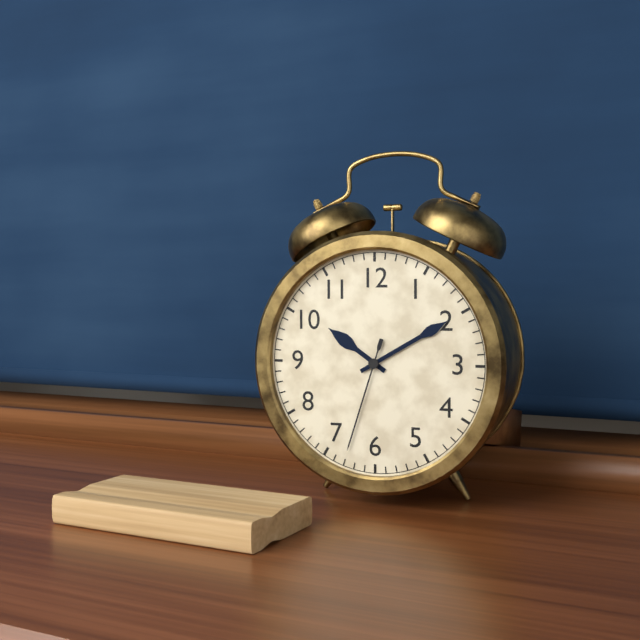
10:10:33
